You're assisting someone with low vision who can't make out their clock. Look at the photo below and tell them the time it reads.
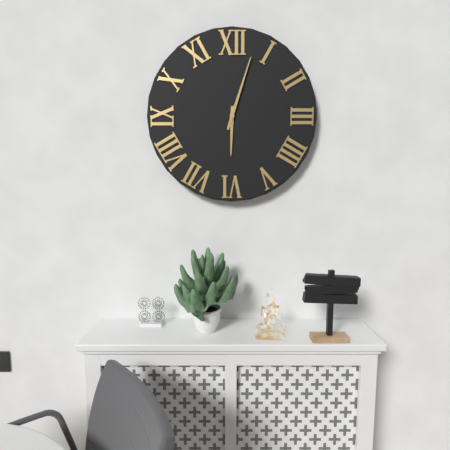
6:03
